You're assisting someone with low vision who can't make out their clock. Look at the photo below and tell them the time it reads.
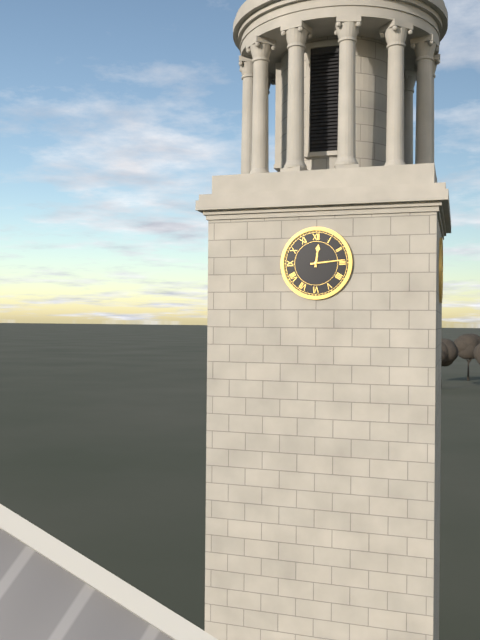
12:14
